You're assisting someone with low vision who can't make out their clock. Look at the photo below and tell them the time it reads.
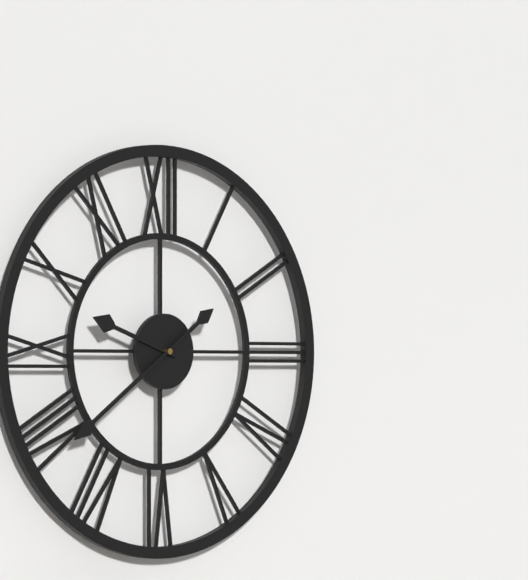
9:39
